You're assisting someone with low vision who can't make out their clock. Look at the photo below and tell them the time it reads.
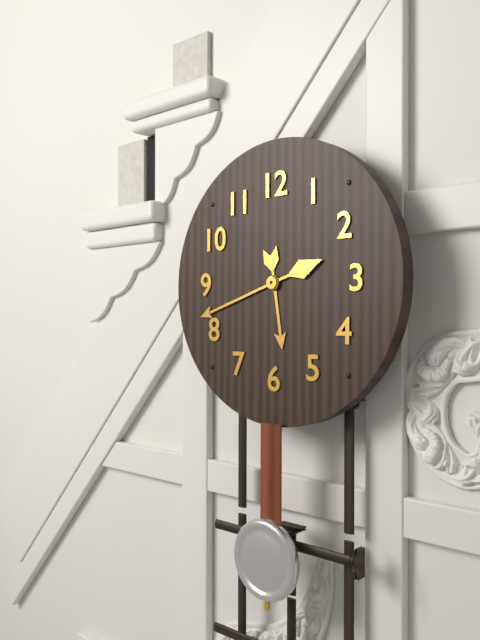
5:42
